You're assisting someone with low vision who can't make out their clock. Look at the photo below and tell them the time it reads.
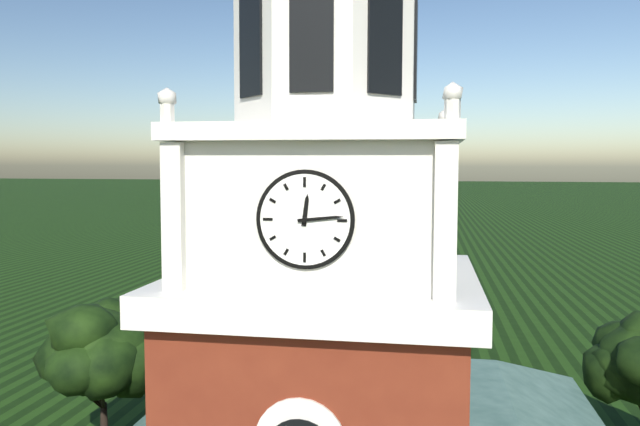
12:14
